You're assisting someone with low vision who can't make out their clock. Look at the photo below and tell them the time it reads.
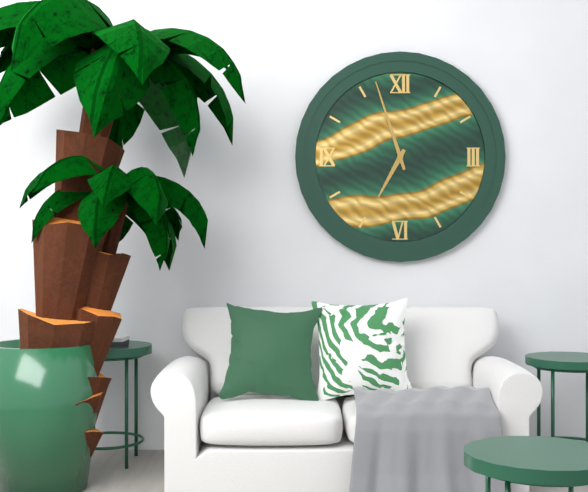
6:57
